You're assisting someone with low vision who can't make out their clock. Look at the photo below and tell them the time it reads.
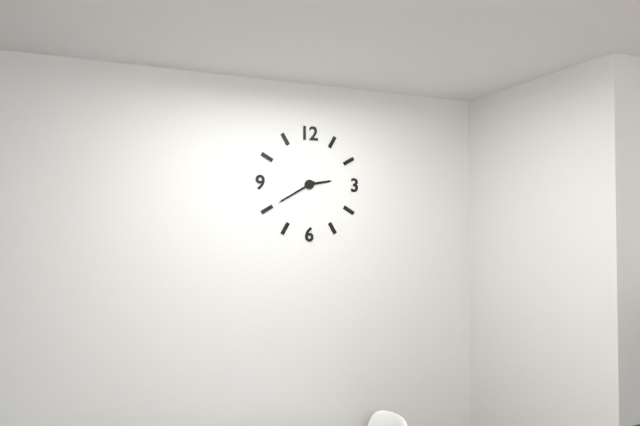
2:40
